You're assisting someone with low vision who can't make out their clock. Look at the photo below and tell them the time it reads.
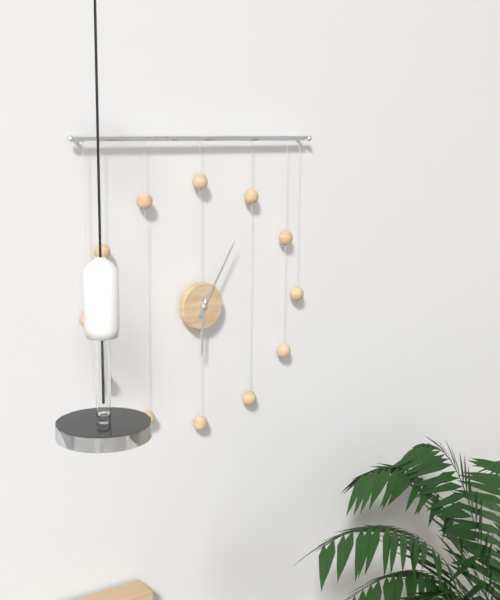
6:05
